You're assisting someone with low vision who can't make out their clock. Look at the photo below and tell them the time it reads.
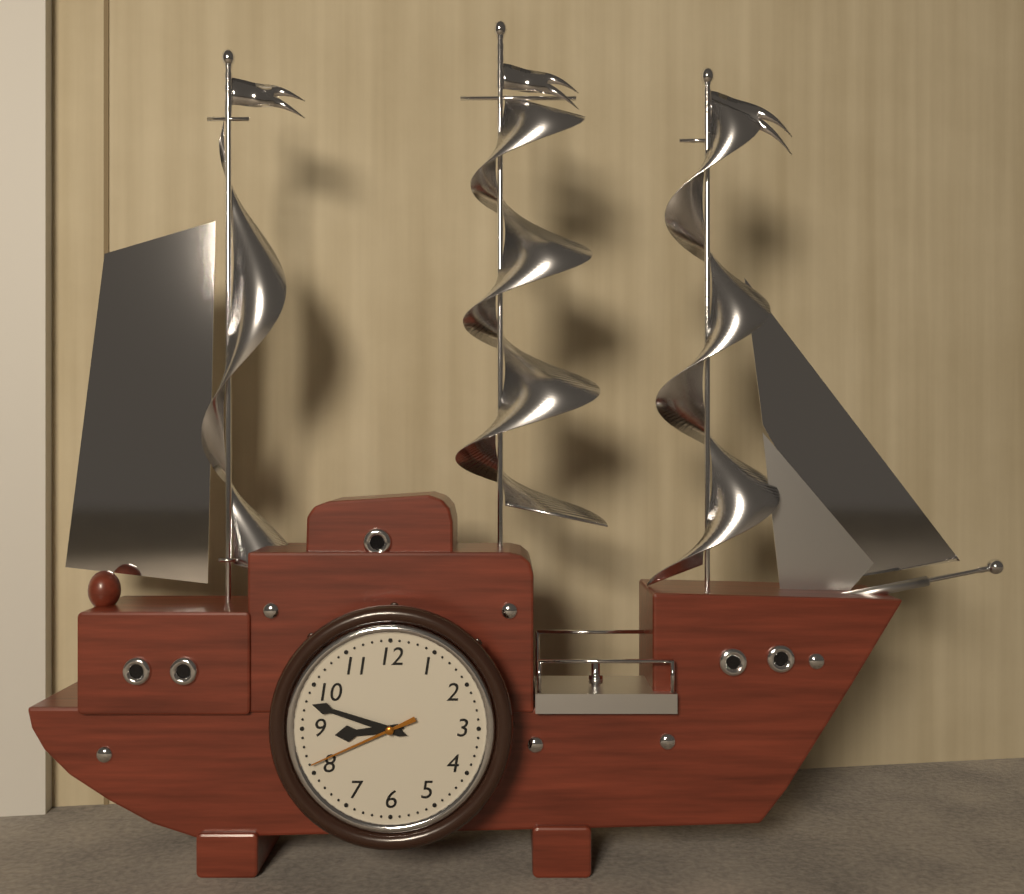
8:48:41
